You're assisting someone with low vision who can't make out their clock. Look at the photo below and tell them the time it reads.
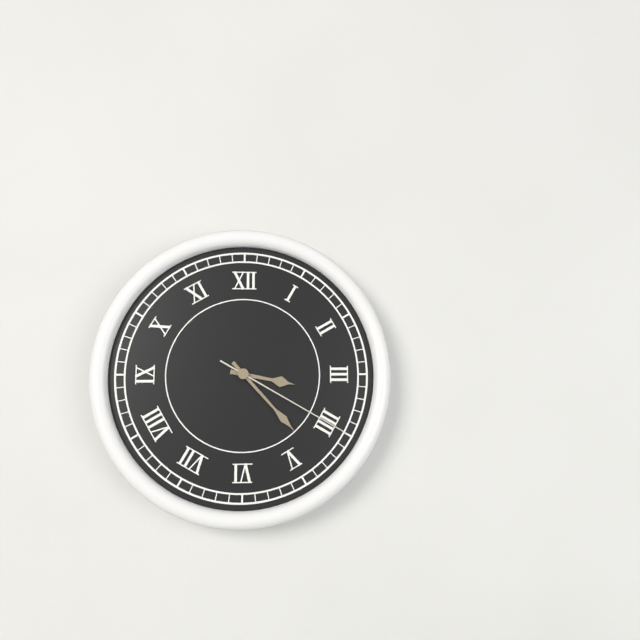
3:23:20
